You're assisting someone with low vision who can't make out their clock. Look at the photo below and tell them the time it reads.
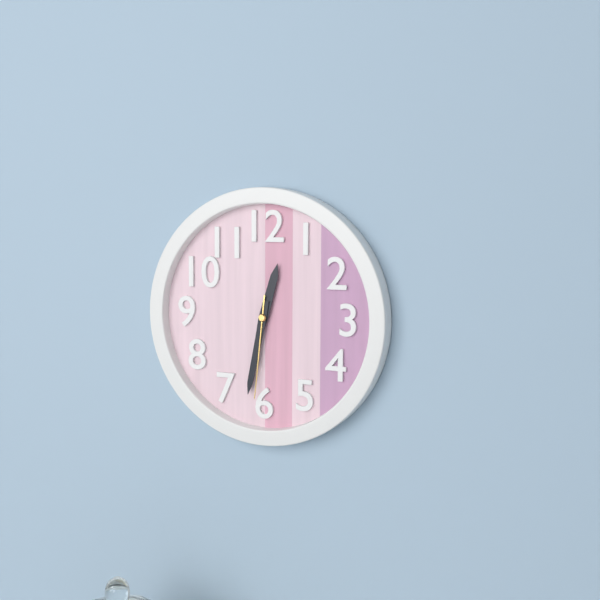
12:32:31
